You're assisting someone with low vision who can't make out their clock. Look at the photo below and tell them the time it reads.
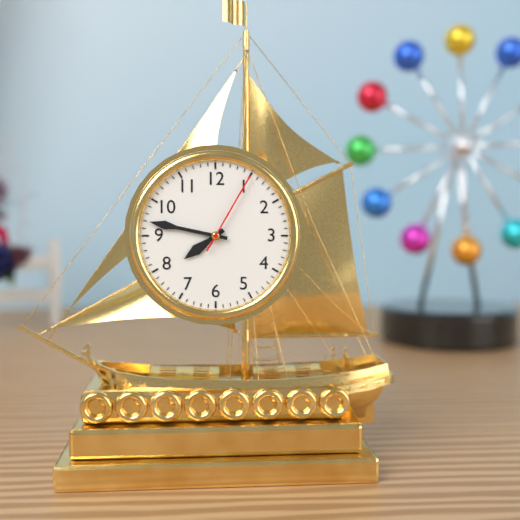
7:47:05
